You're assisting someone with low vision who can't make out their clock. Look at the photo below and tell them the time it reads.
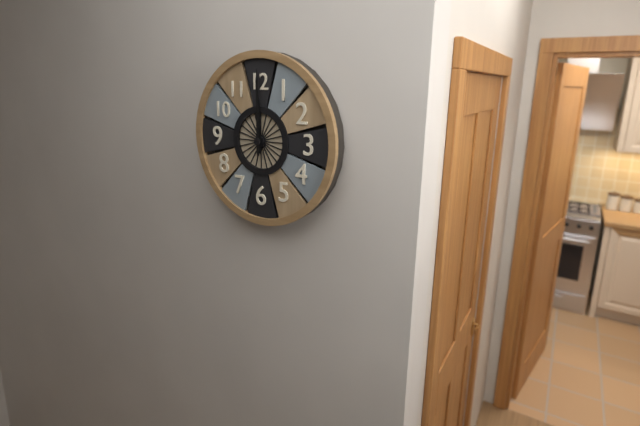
12:00
